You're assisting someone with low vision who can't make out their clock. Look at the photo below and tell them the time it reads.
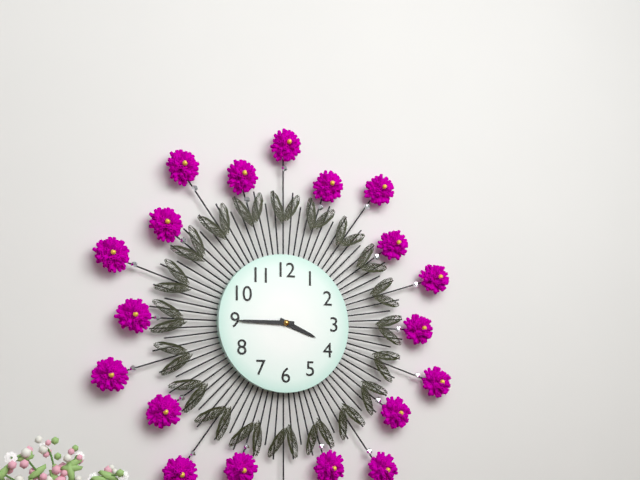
3:45
